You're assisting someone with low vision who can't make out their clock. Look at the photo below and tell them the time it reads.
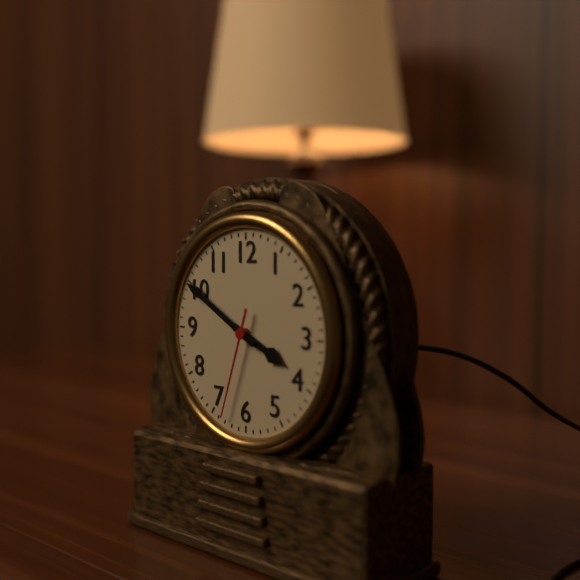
3:50:33
